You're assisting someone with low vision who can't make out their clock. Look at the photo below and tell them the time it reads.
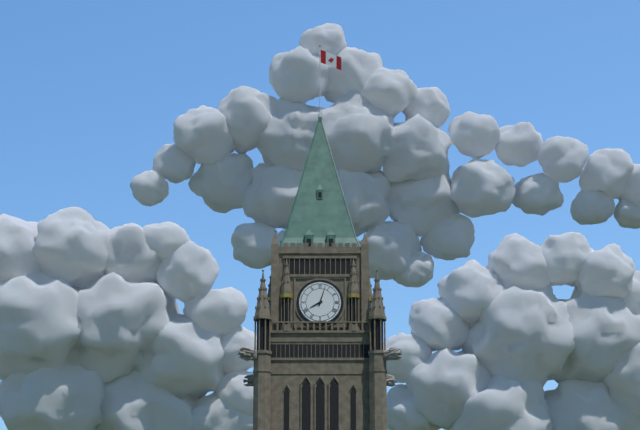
8:03
